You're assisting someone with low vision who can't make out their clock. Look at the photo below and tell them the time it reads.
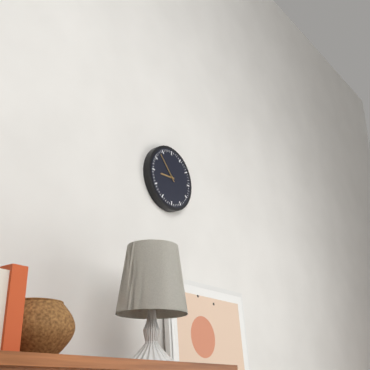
8:53
